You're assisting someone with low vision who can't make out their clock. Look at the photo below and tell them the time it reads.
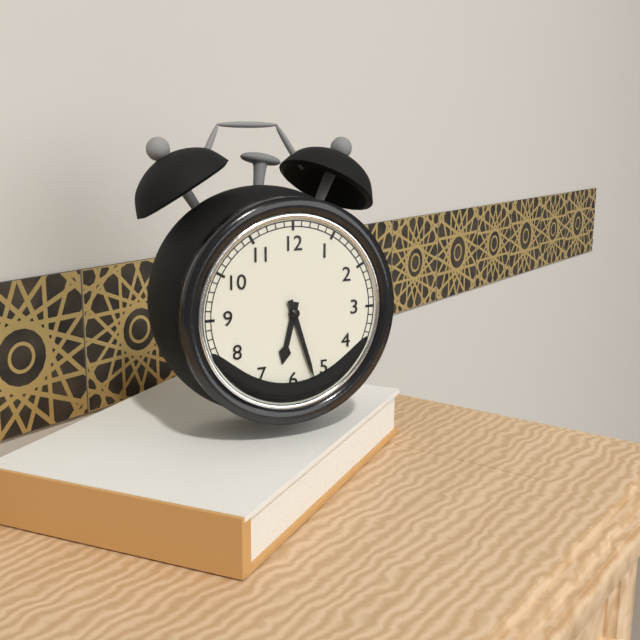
6:27
